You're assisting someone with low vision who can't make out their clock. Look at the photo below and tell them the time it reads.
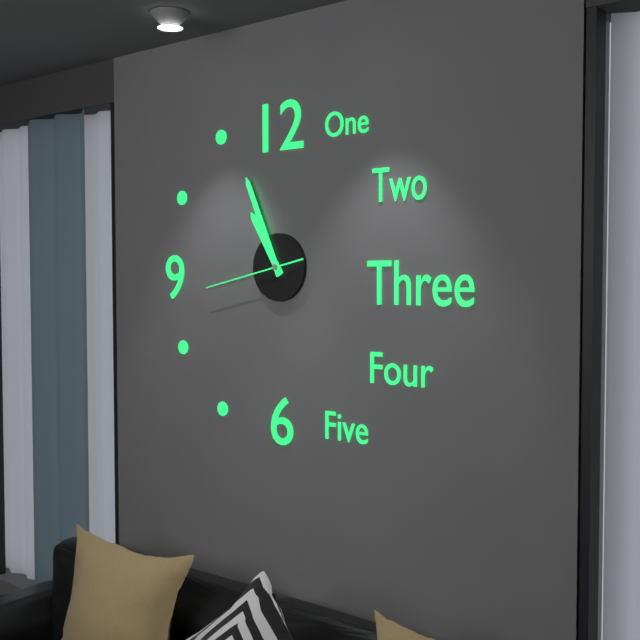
10:56:43
